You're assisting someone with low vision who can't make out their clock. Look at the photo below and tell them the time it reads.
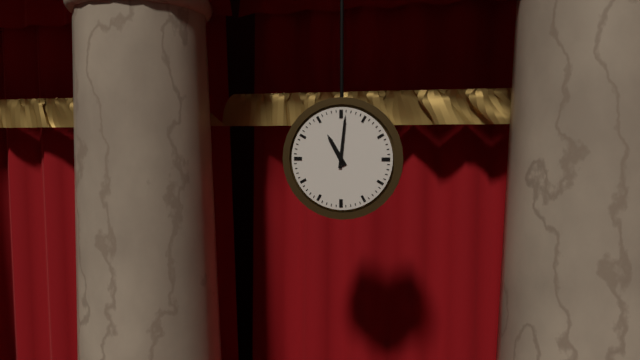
11:01
